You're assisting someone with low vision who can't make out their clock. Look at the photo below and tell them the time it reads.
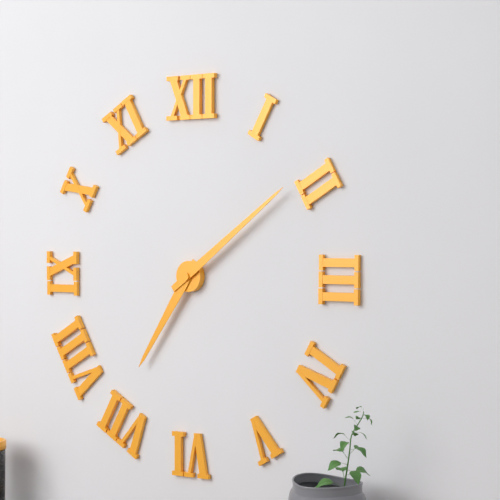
7:09
